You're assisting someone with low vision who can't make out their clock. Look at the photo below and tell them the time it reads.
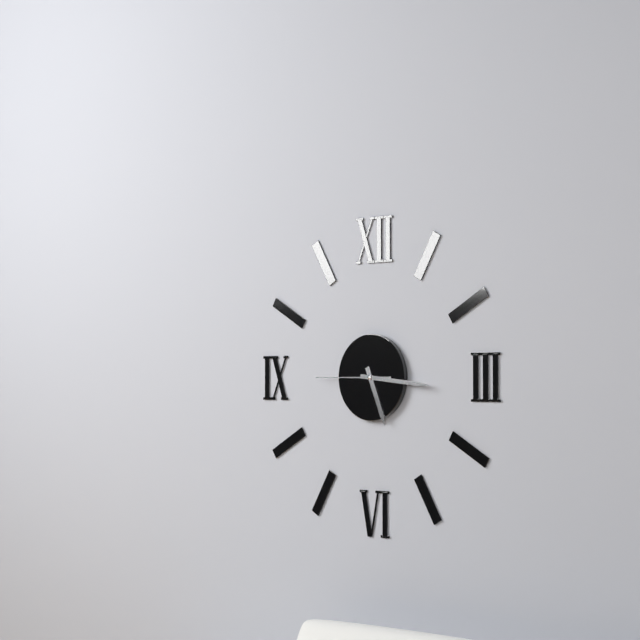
5:16:45
